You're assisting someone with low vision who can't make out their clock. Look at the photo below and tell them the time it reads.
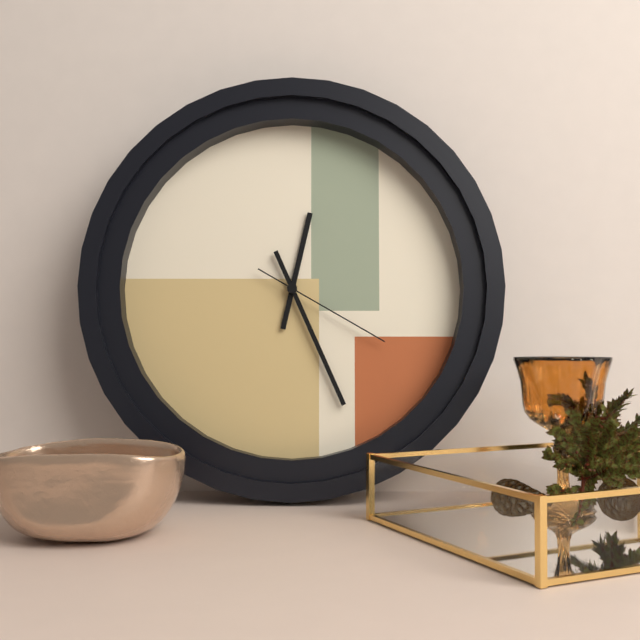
12:26:20
